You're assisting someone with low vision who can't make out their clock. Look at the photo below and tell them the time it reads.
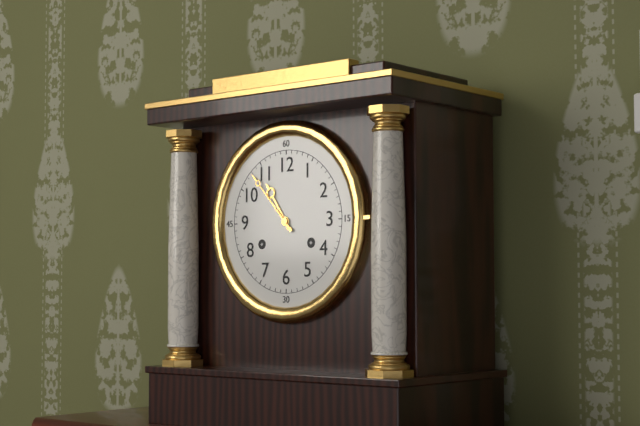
10:53
